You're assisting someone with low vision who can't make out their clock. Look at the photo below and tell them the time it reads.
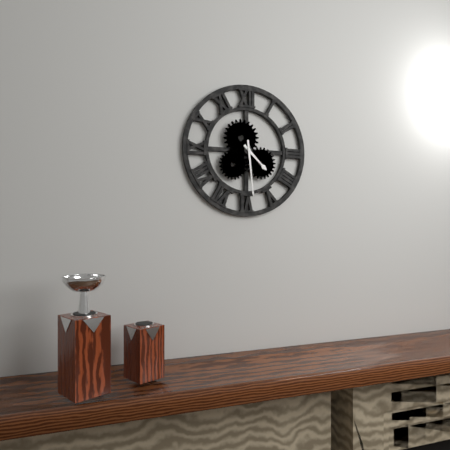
4:29
